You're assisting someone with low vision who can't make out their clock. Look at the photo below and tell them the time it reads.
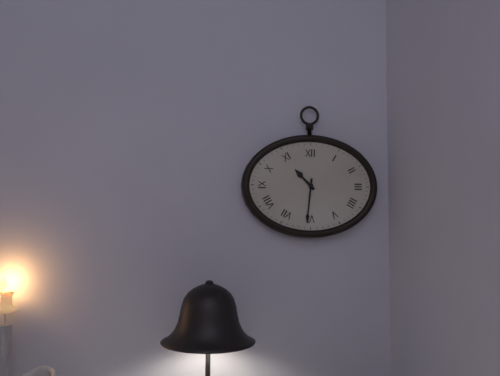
10:31
